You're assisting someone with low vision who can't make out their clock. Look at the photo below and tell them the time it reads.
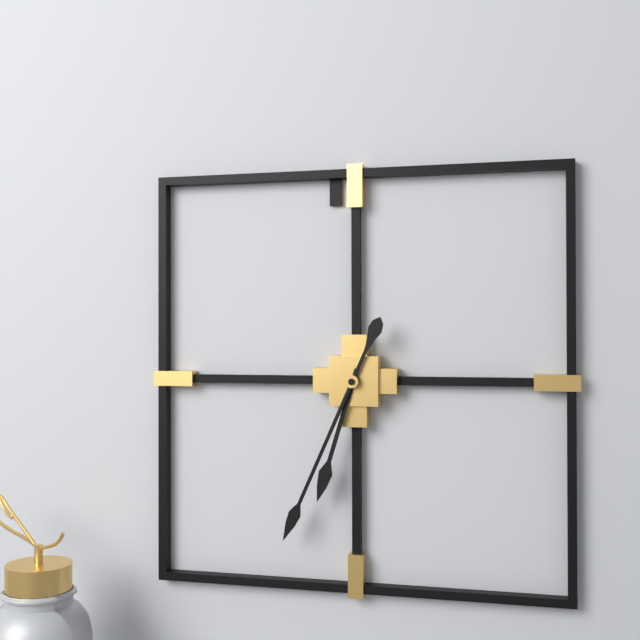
6:34
